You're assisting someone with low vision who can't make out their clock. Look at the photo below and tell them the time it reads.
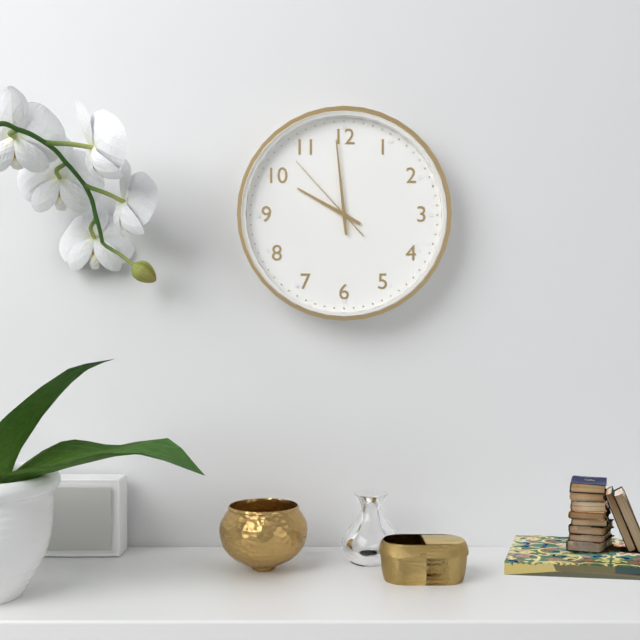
9:59:53
